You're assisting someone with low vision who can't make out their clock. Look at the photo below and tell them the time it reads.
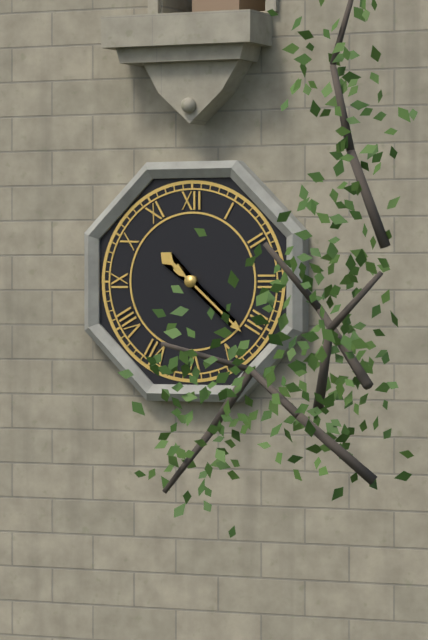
10:22
